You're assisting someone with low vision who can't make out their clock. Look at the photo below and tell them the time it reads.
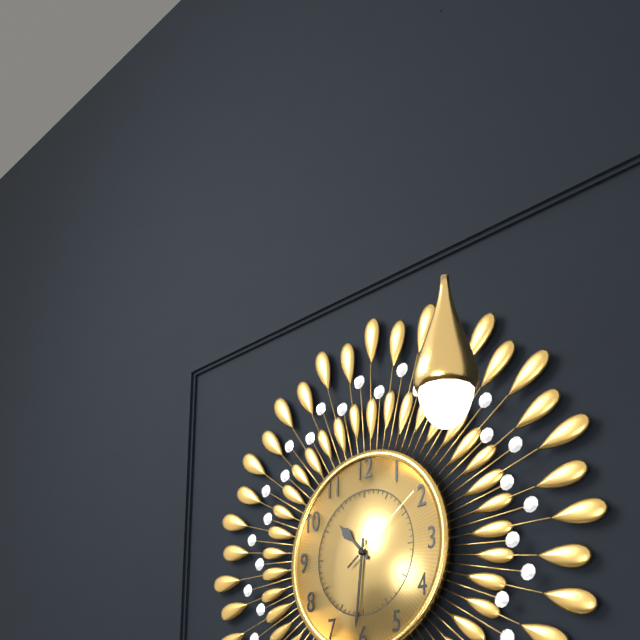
10:31:09
